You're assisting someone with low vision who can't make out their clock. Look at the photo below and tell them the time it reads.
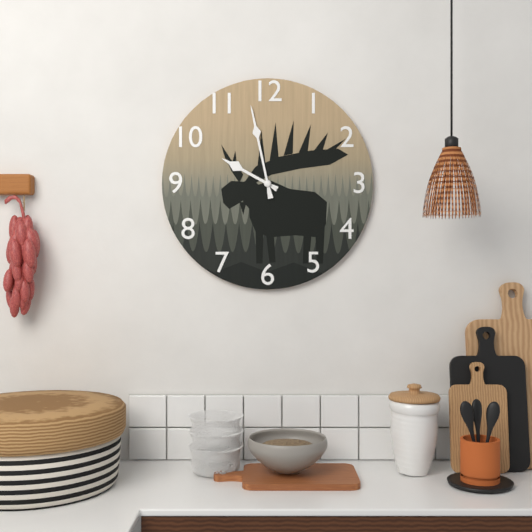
9:58
